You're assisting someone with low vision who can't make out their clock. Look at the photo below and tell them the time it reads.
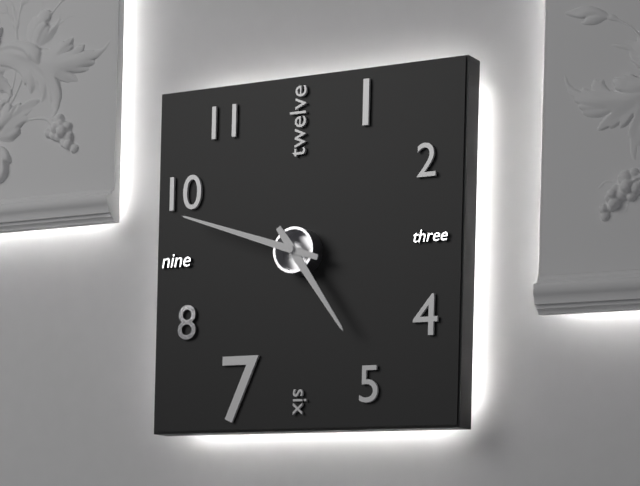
4:48
